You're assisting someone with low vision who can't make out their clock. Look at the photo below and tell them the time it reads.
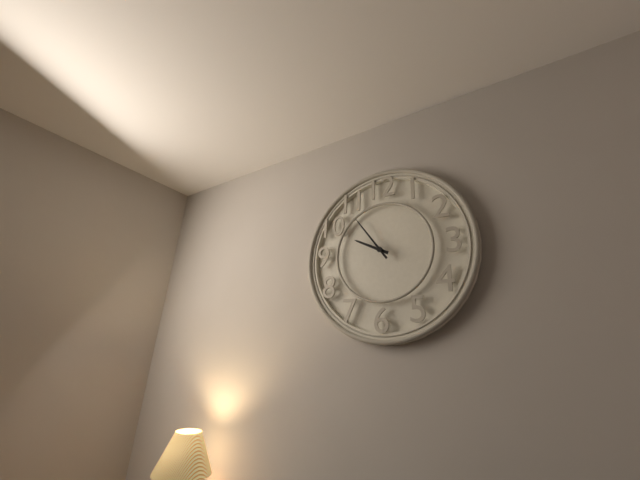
9:54
